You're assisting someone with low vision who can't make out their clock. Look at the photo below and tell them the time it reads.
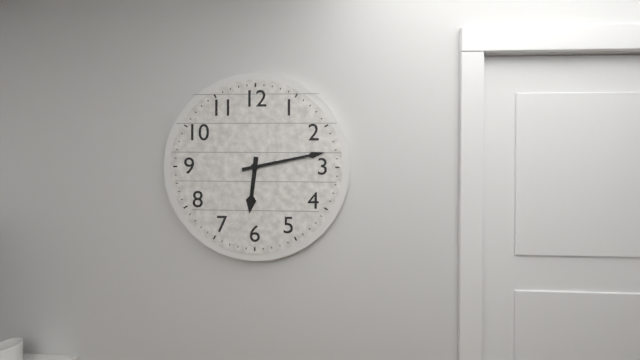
6:13
